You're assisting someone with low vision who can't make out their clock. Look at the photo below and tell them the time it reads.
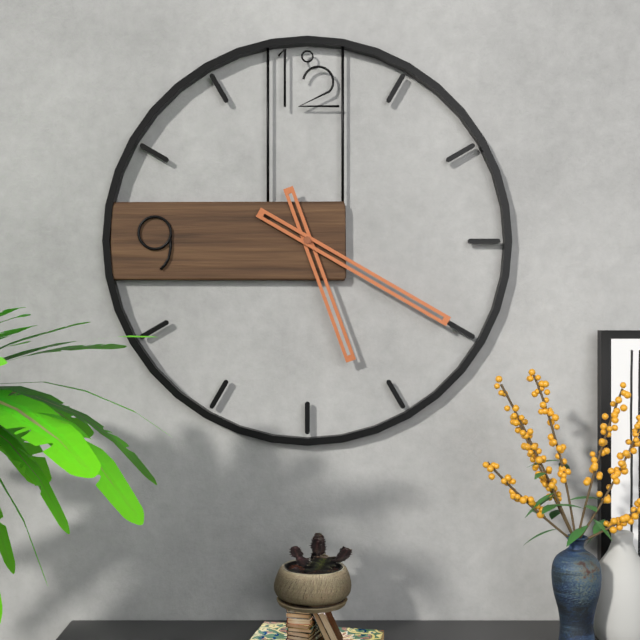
5:20
